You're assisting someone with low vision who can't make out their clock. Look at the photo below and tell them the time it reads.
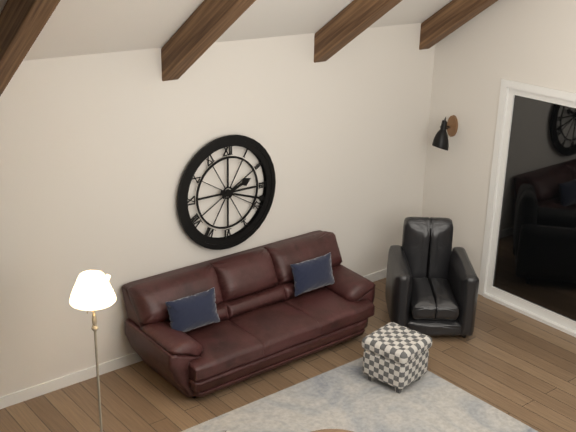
2:18
